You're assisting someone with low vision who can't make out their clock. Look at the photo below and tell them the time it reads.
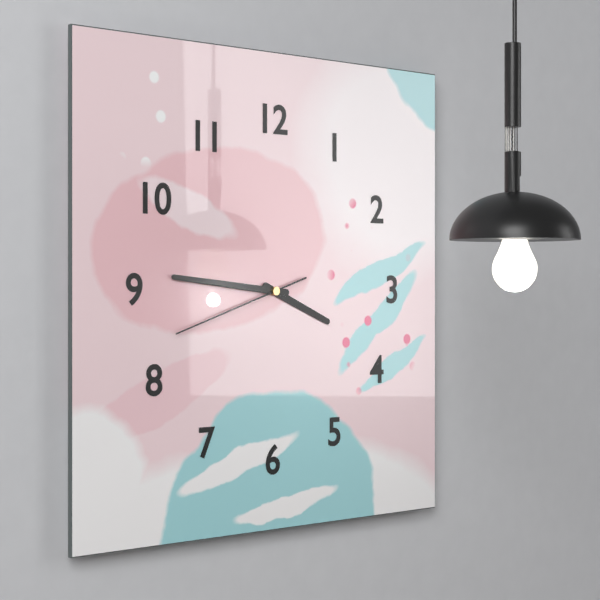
3:46:42
